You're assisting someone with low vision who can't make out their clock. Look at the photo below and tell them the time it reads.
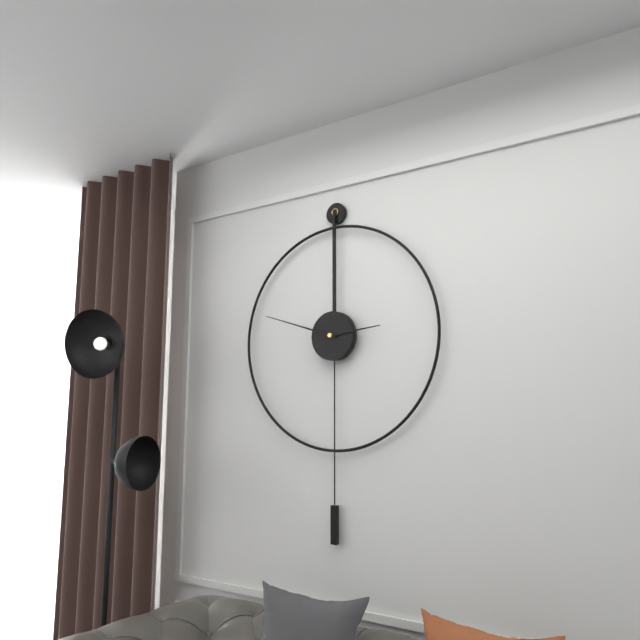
2:48
